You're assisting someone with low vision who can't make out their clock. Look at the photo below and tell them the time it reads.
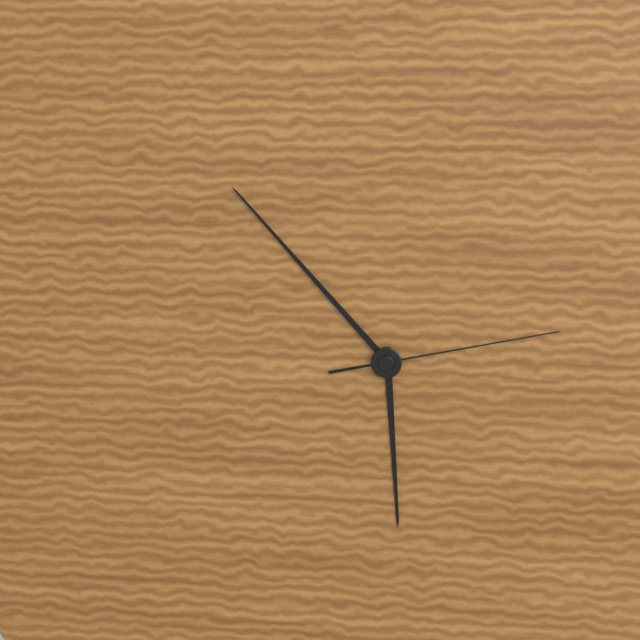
5:53:13
